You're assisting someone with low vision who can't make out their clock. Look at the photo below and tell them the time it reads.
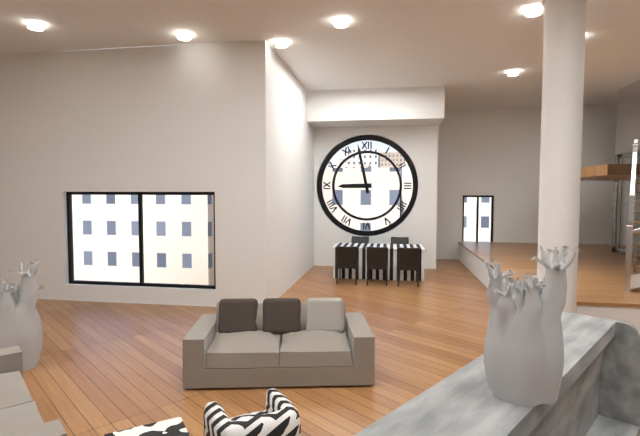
8:58
